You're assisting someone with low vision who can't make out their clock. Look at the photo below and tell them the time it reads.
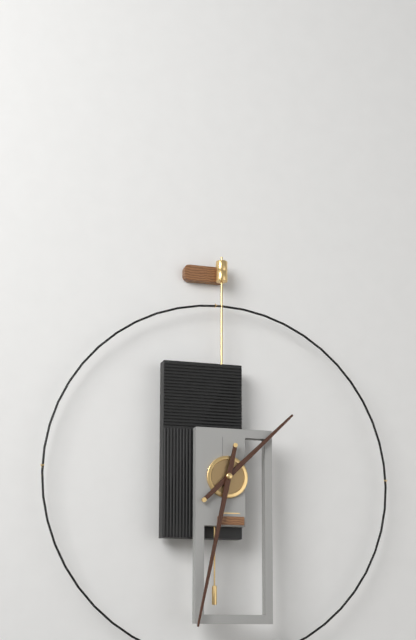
1:32
